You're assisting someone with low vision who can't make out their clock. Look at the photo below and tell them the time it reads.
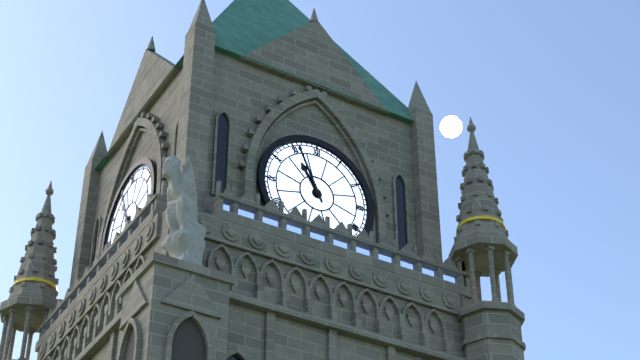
10:56
